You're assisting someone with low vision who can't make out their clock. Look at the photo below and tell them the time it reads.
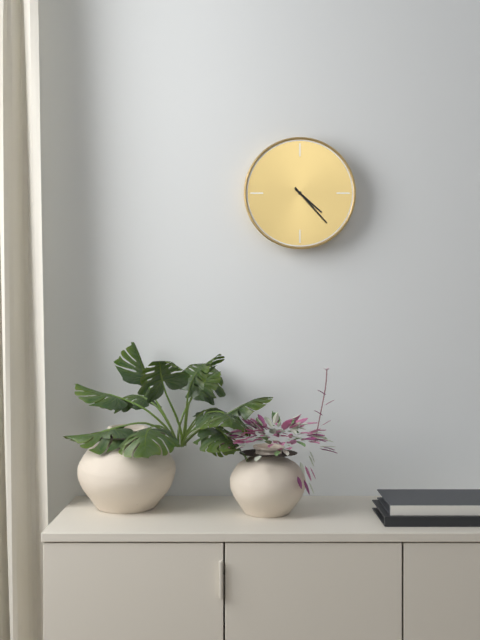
4:23
